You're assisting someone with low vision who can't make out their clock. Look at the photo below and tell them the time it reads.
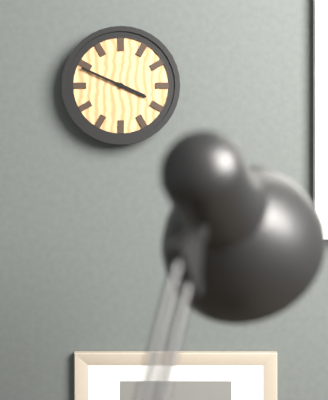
3:49
